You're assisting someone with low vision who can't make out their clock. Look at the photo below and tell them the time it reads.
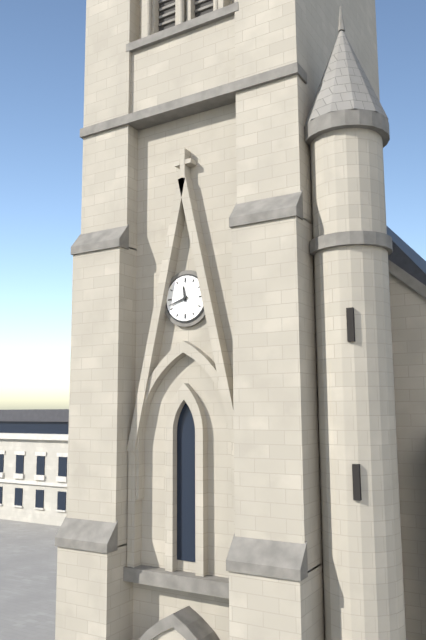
11:42
